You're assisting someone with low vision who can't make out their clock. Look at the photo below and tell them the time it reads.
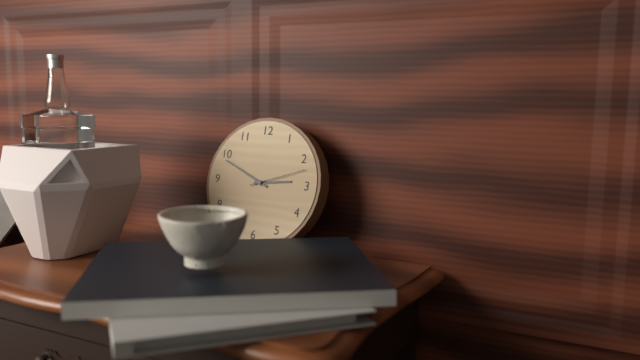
2:49:12
